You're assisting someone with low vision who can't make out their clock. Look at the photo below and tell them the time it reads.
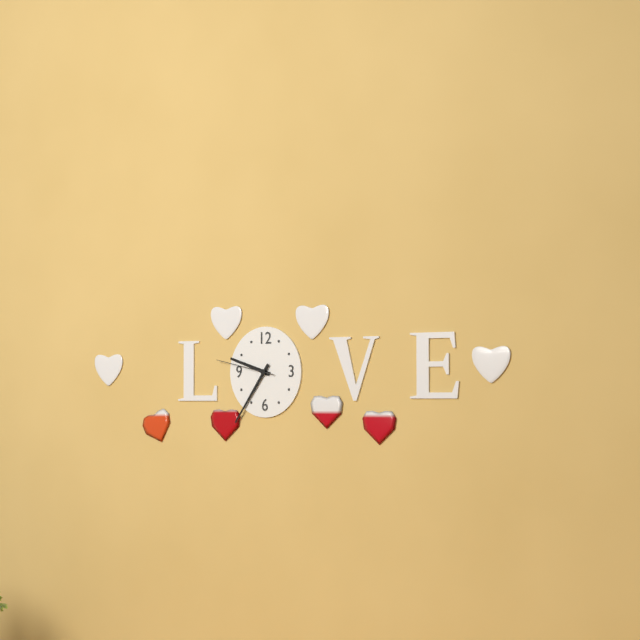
9:36:47
